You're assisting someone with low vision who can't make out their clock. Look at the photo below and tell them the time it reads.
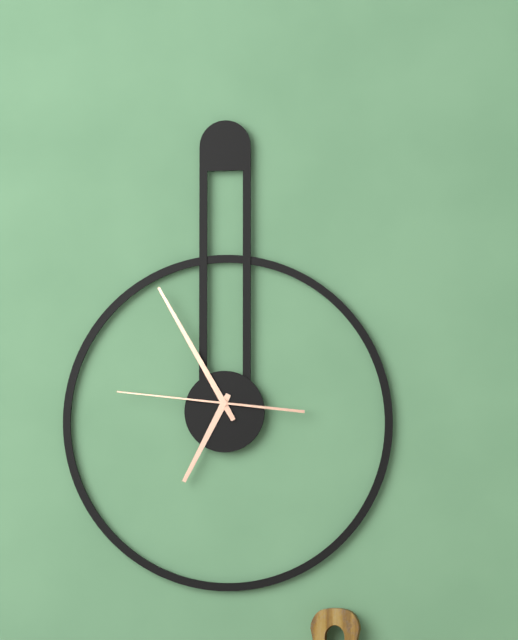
6:55:46
